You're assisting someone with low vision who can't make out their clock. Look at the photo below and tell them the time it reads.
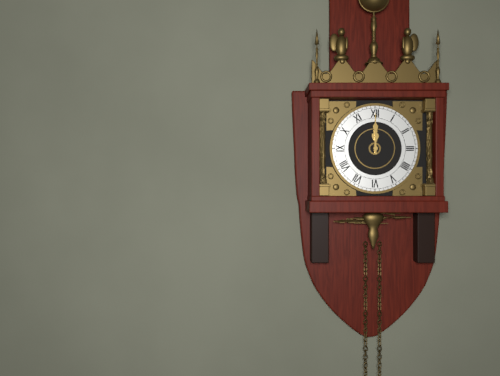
12:00
